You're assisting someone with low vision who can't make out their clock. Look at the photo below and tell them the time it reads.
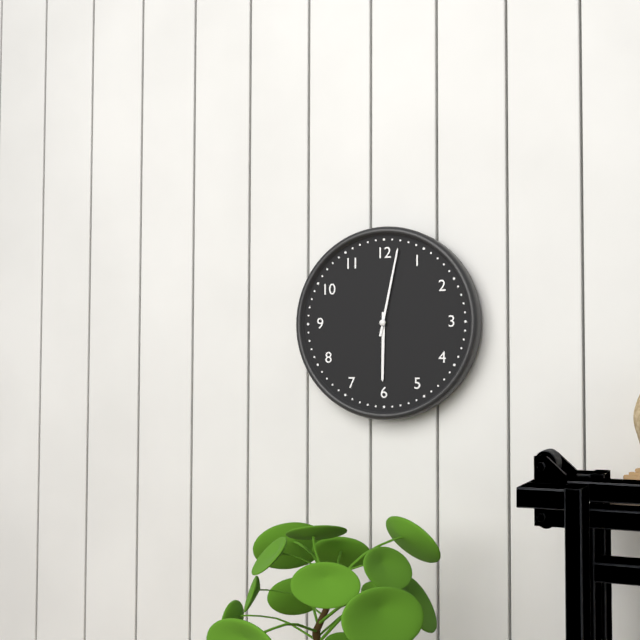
6:02
